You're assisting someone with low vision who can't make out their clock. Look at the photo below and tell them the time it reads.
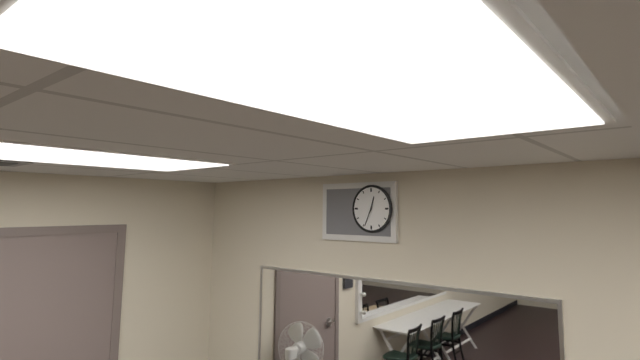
12:34
